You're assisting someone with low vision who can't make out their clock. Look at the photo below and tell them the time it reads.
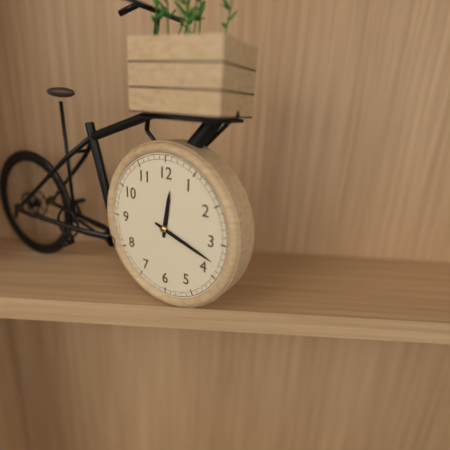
12:18
